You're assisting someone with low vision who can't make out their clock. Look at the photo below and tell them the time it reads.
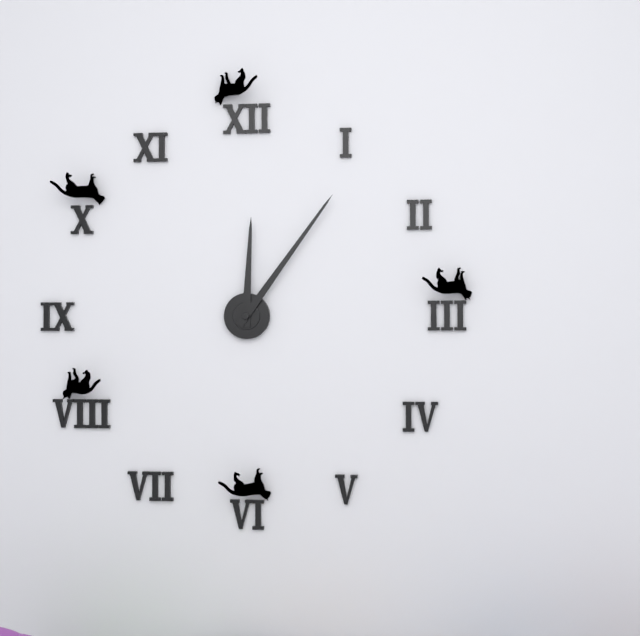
12:06
